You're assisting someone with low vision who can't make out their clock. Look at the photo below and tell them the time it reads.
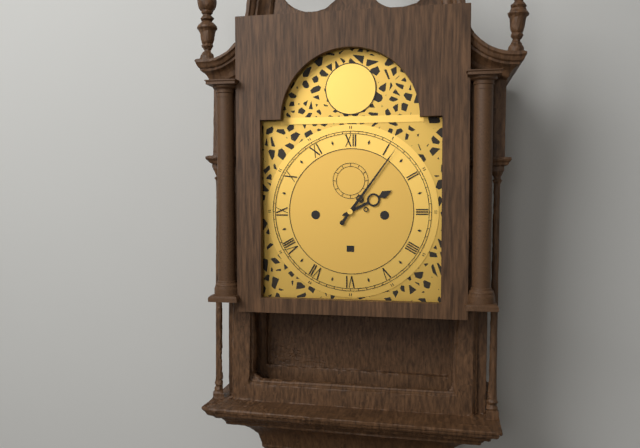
2:06
